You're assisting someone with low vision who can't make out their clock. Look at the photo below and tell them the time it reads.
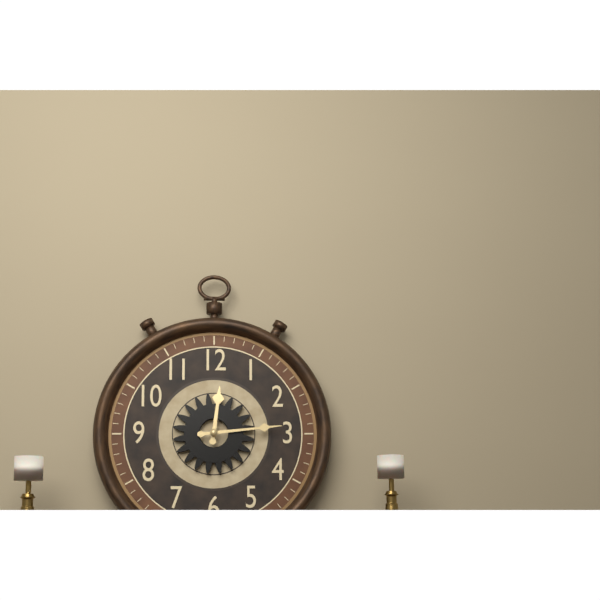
12:14
